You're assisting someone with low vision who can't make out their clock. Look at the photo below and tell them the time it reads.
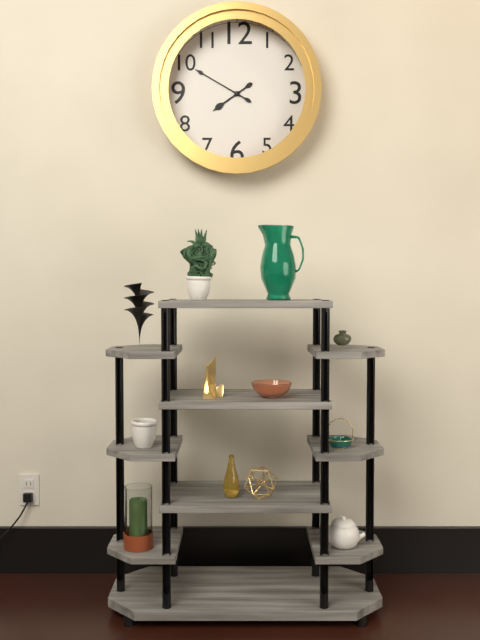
7:50
